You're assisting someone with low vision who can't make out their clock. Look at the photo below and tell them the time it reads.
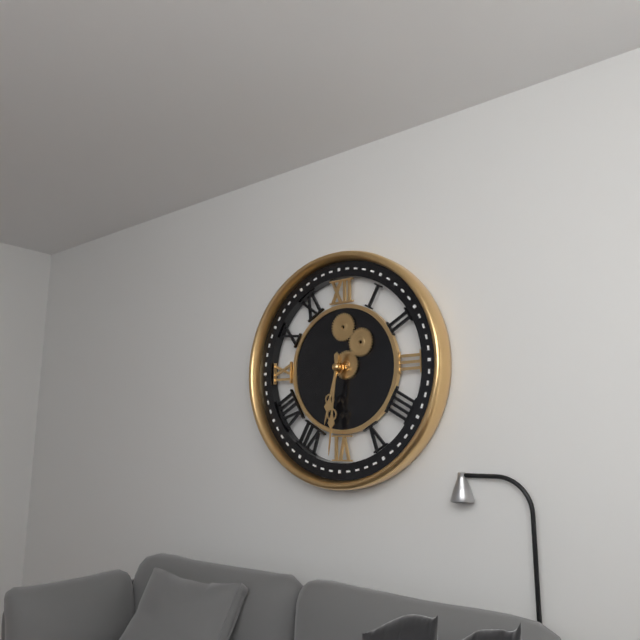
6:31
